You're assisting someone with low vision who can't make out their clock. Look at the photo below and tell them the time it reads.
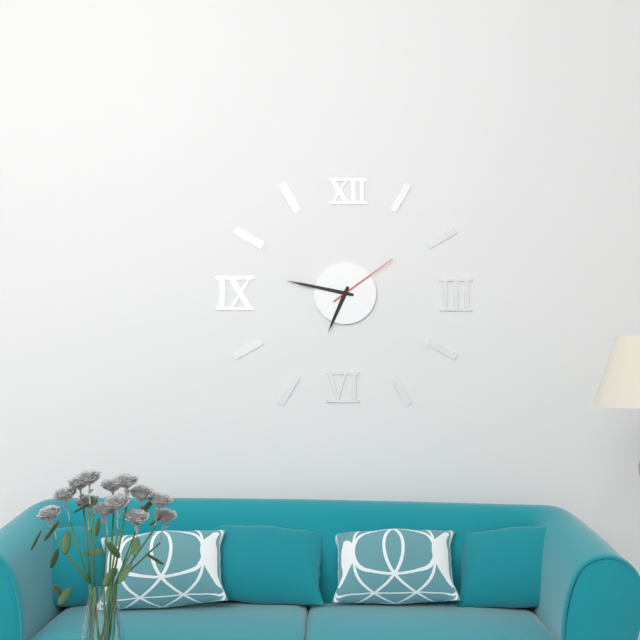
6:47:09
